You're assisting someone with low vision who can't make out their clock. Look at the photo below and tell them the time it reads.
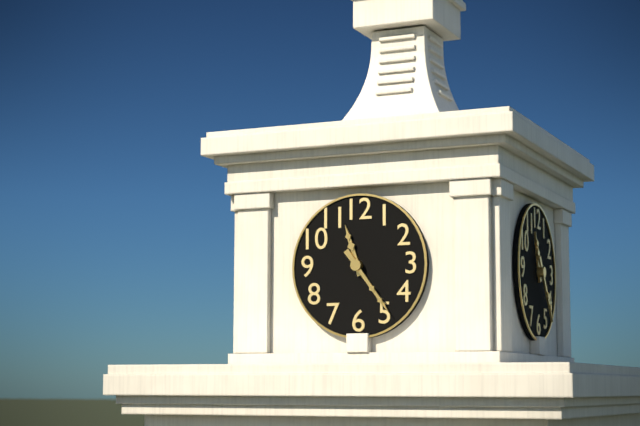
11:24
